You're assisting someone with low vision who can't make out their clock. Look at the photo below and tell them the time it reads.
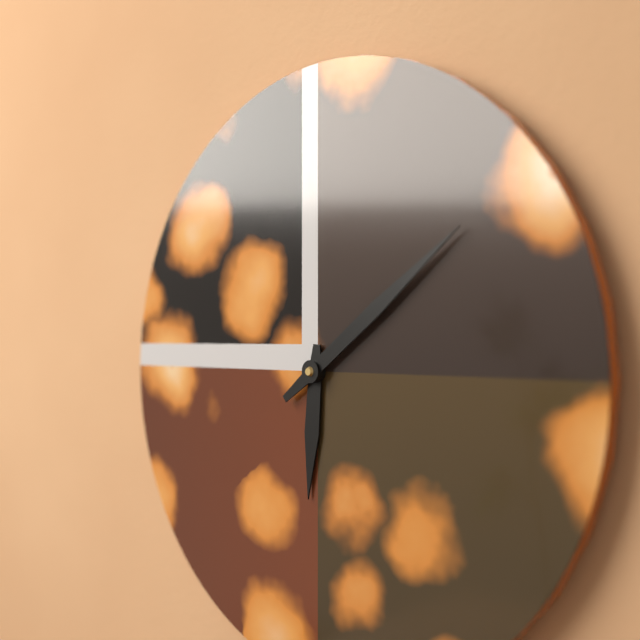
6:09
